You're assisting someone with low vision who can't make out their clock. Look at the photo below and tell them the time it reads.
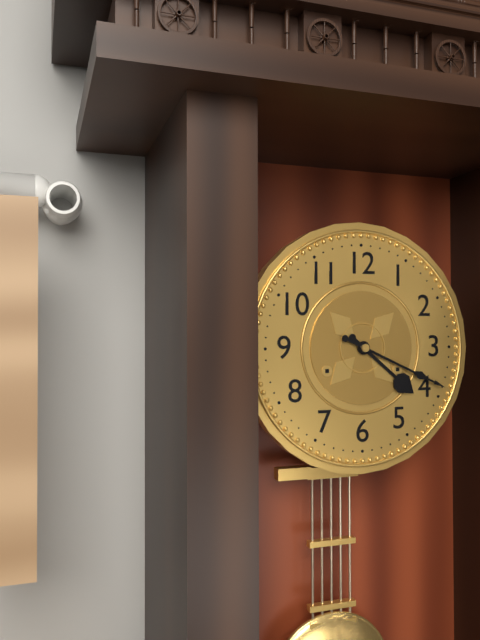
4:19
